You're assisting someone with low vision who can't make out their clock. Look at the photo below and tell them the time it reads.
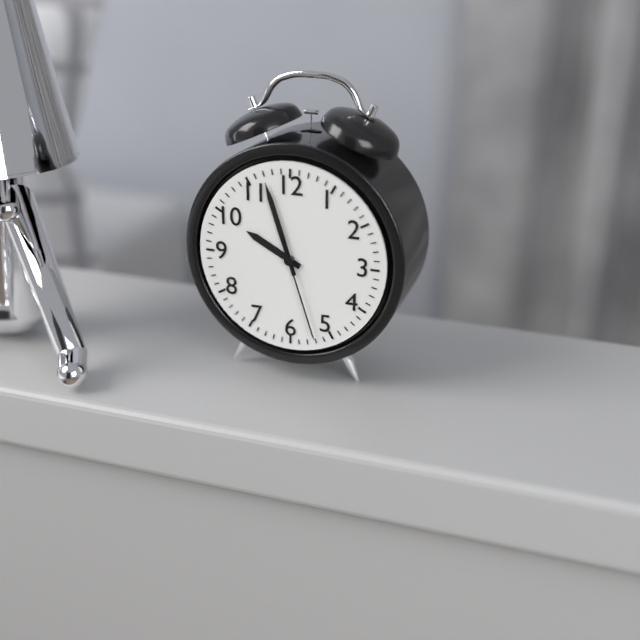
9:57:27
